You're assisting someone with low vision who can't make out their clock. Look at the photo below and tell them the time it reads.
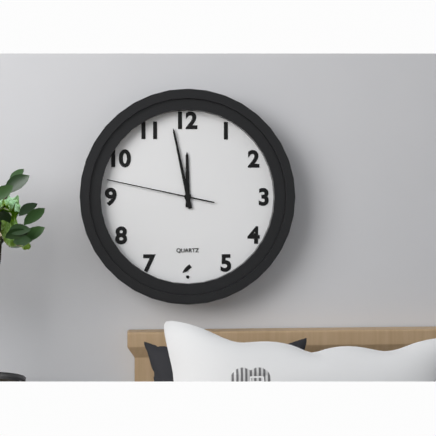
11:58:47
